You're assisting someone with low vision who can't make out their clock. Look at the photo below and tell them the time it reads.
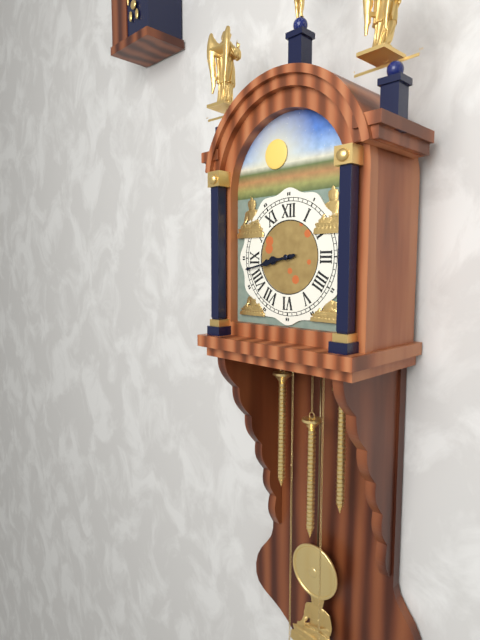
8:43
